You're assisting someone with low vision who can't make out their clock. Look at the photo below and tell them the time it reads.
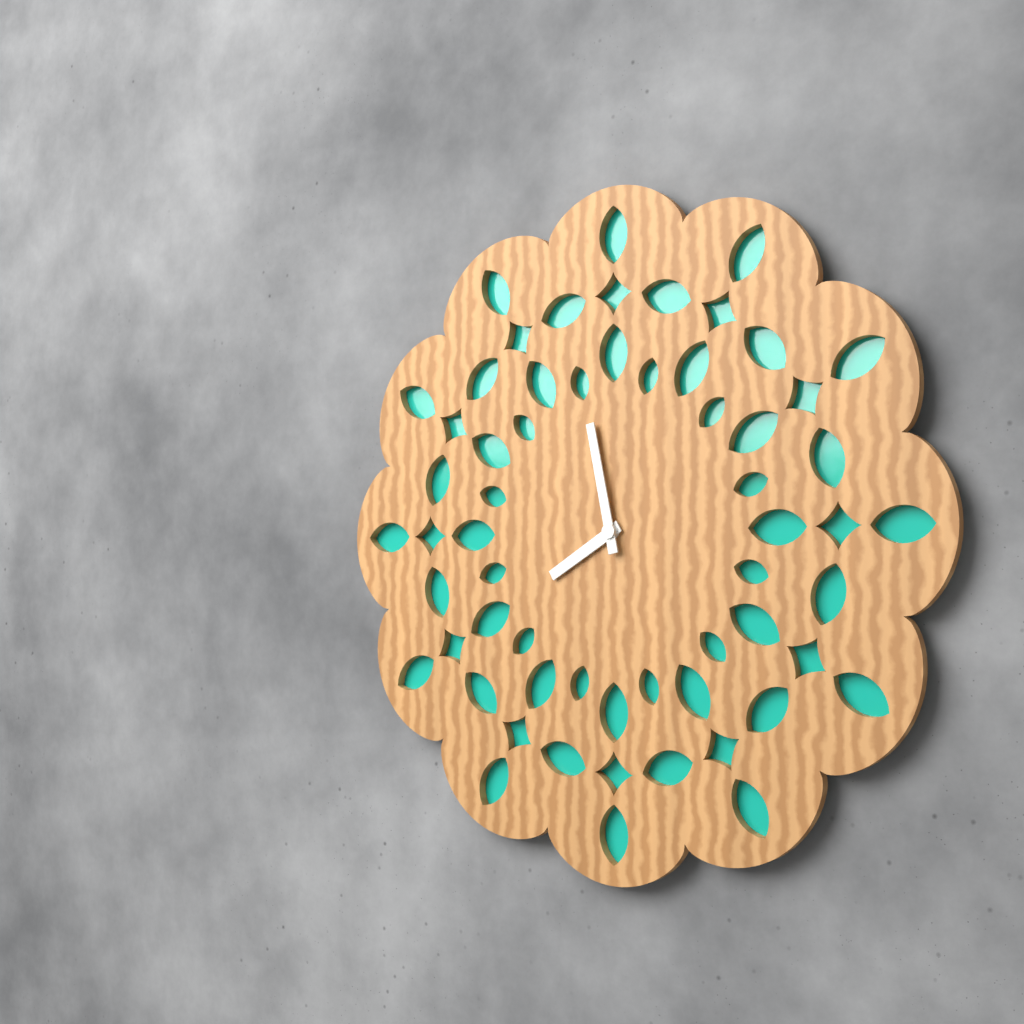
7:58
